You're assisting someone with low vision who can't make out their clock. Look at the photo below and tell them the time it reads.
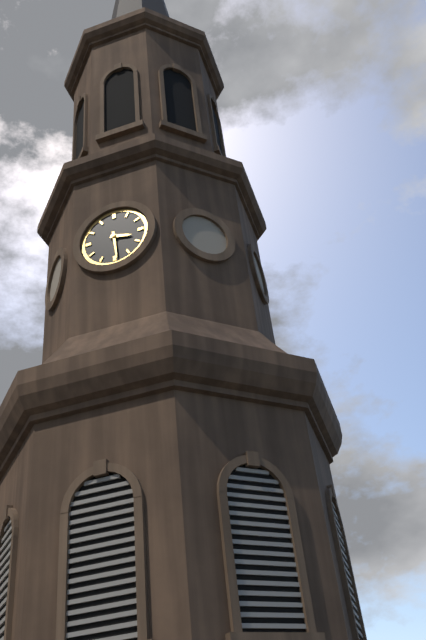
3:29
